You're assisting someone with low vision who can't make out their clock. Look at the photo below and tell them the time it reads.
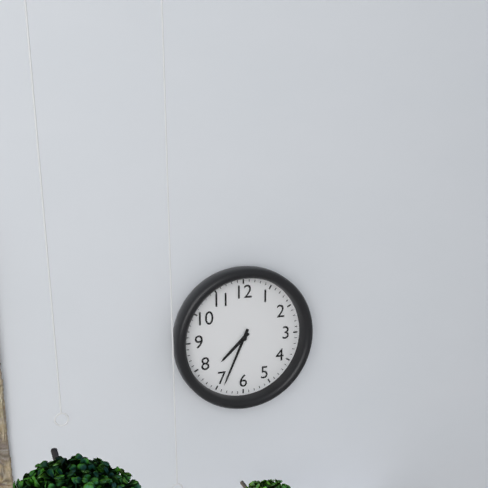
7:34
